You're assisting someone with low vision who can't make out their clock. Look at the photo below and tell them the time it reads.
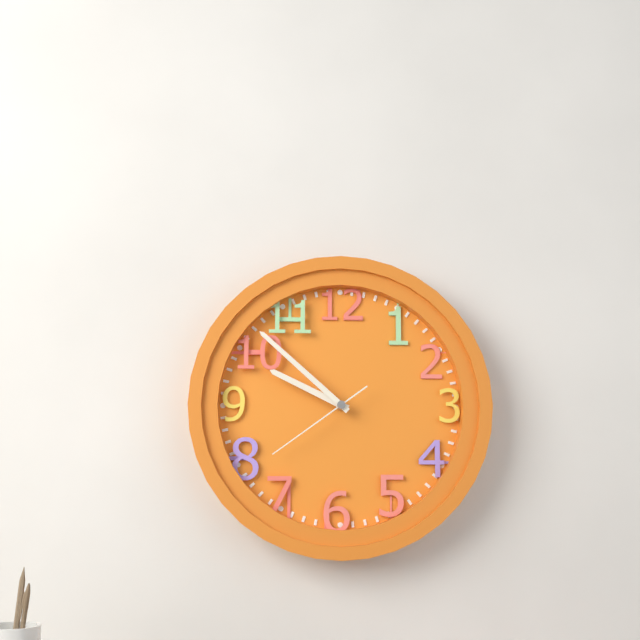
9:52:39
